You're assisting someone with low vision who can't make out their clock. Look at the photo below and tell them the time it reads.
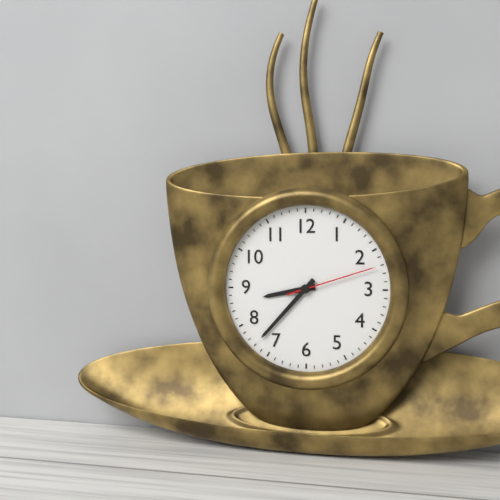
8:37:12
